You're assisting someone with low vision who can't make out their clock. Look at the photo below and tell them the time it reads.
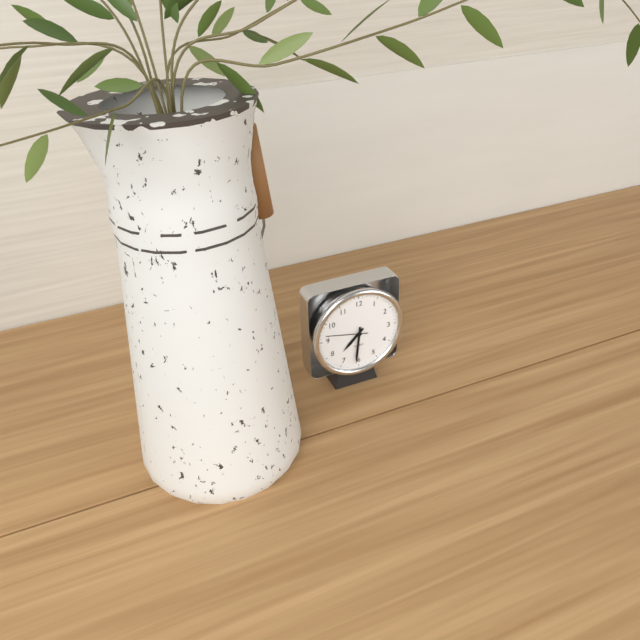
7:31
